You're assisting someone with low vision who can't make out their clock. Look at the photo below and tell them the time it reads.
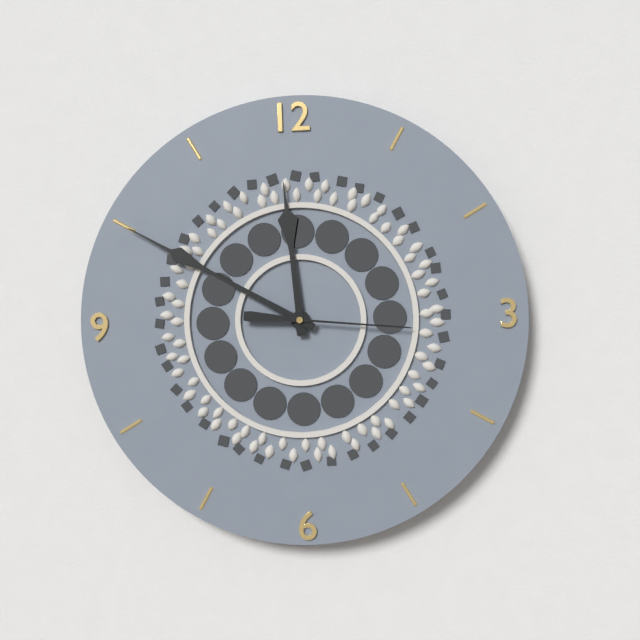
11:50:16
